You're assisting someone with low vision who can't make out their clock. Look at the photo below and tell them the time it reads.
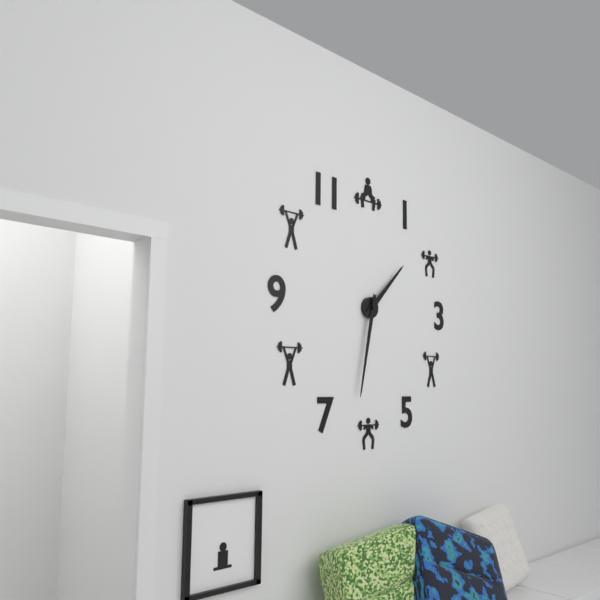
1:32
